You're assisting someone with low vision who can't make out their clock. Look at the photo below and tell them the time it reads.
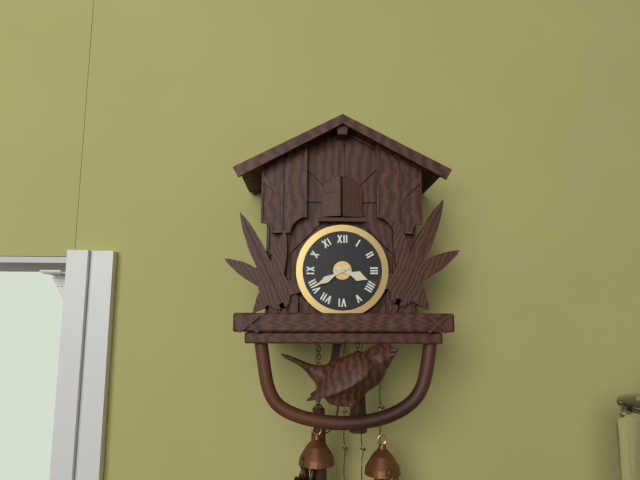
3:40
